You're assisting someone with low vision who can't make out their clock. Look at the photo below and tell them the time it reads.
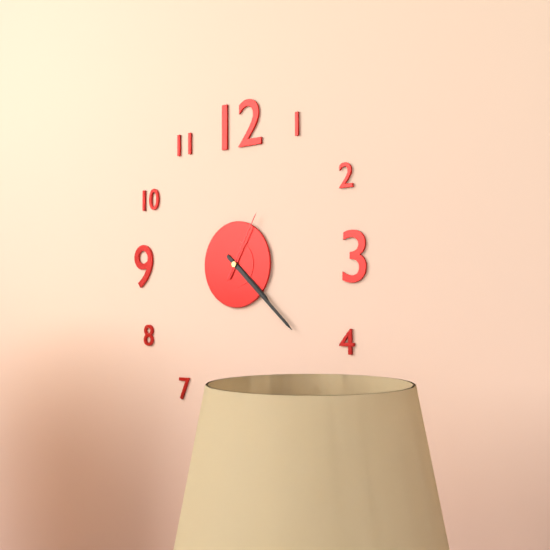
4:22:05
